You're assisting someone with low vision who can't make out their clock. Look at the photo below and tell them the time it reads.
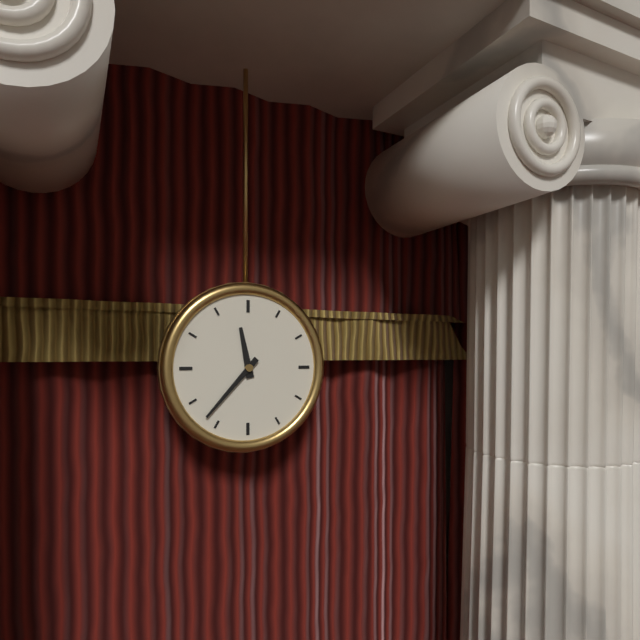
11:37
